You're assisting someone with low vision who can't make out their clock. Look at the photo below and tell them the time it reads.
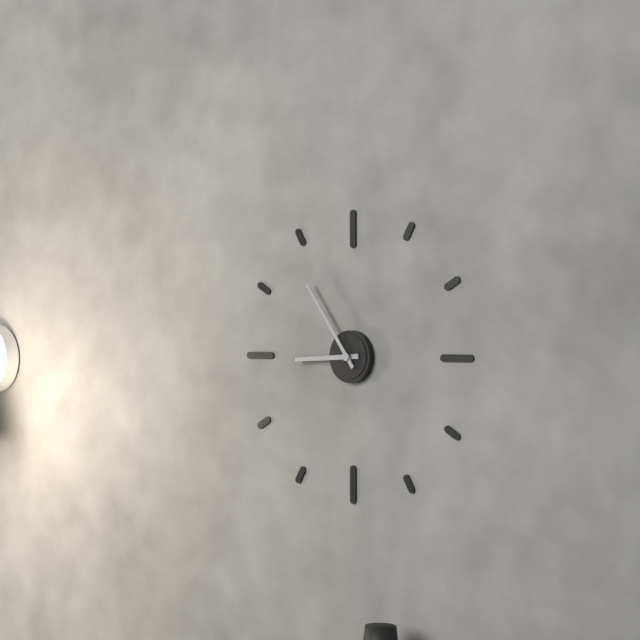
8:54
